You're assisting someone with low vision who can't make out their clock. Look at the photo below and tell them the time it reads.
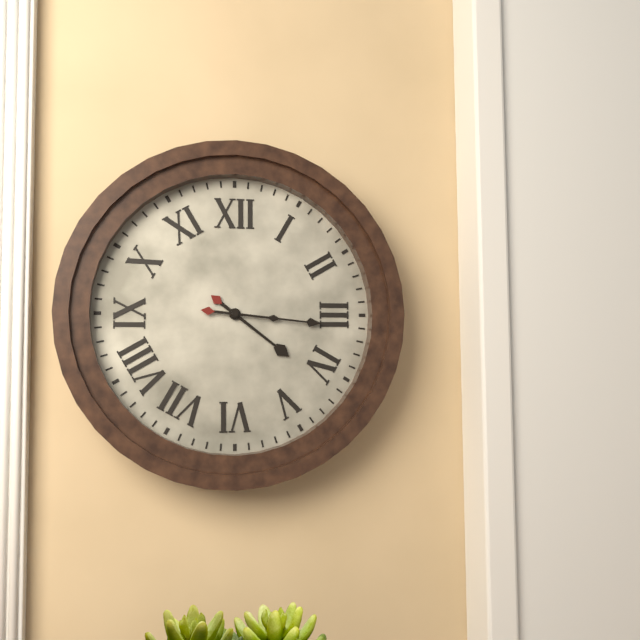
4:16
